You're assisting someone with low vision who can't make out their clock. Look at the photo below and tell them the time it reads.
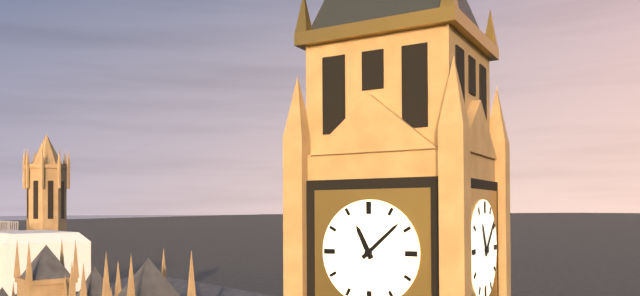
11:08
